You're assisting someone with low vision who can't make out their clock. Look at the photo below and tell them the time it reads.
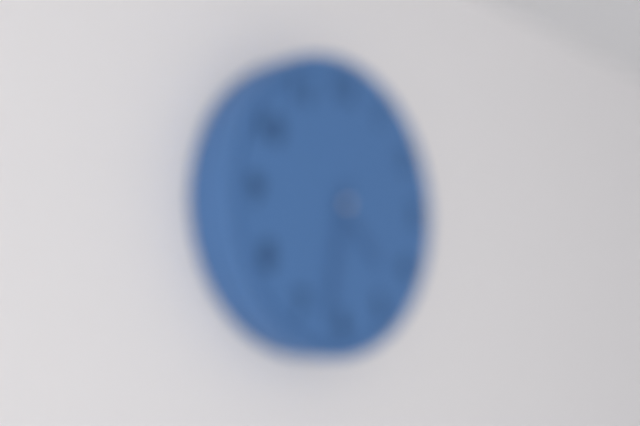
4:32
